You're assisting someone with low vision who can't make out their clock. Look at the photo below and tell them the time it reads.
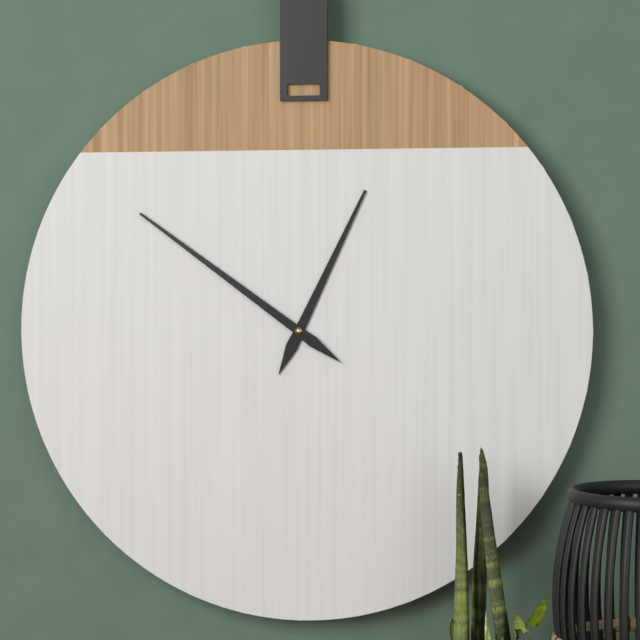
12:51
